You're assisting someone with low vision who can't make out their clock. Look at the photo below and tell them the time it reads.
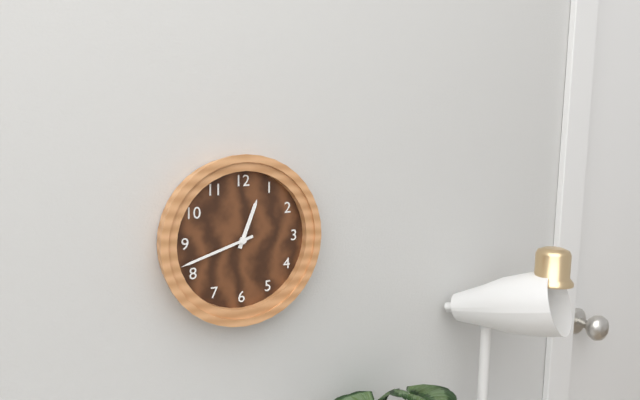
12:42
